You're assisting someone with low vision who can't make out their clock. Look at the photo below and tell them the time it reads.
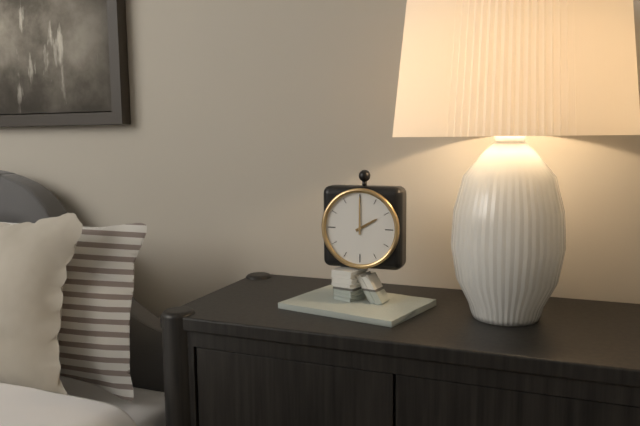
2:00
